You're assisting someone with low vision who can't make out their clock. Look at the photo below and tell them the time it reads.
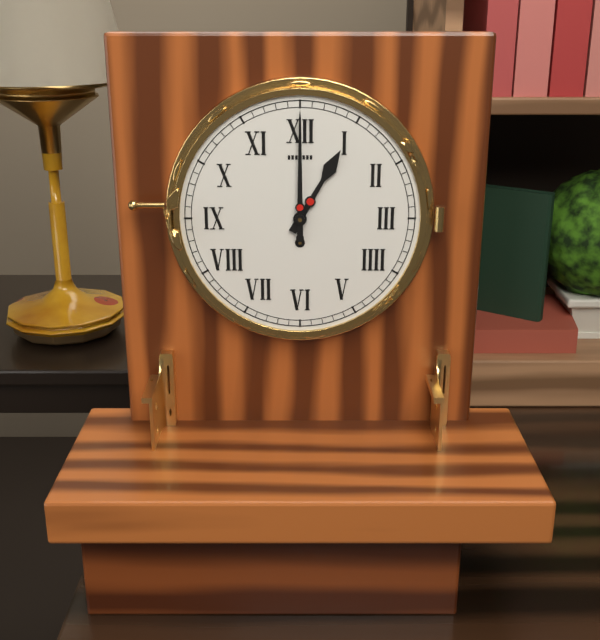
1:00
